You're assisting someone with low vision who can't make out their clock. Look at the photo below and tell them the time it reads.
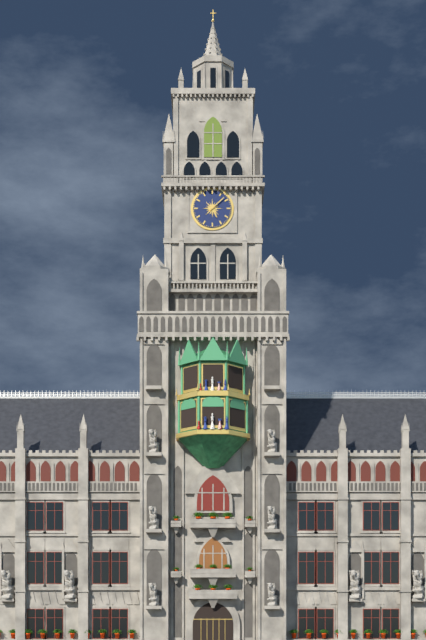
5:08
